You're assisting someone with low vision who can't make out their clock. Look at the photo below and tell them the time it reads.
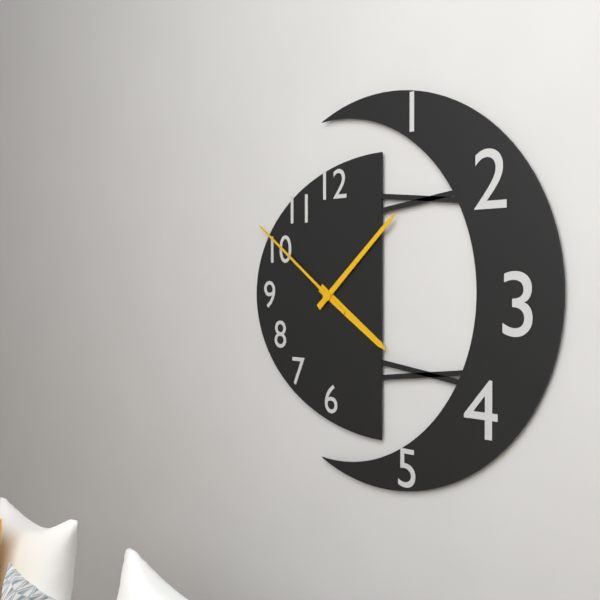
4:08:51
